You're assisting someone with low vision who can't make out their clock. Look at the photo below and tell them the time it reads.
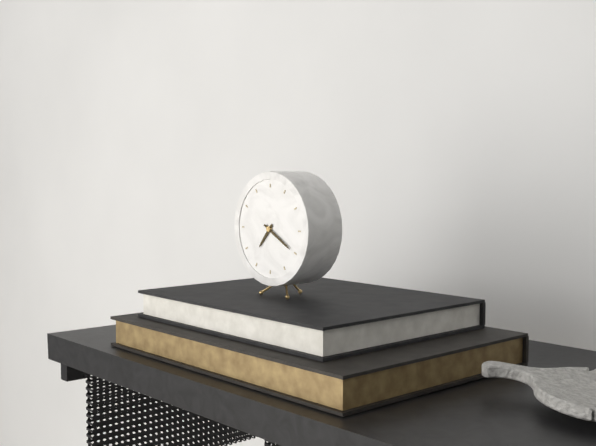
7:20
